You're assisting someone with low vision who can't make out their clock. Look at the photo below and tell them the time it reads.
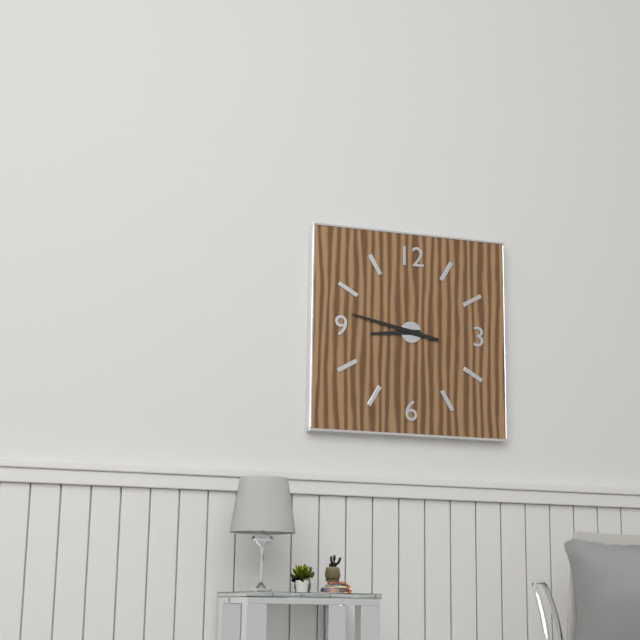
8:47
